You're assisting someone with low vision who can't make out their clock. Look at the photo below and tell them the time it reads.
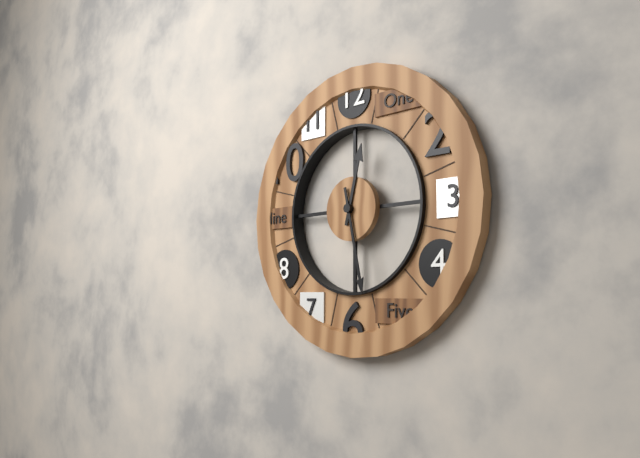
12:28
